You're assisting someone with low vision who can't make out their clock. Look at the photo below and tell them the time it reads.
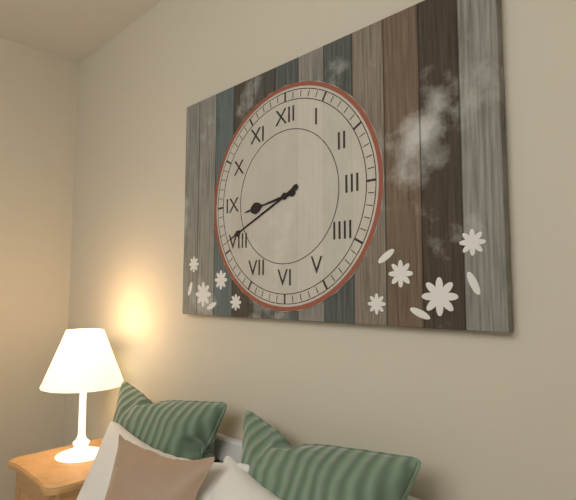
8:41
